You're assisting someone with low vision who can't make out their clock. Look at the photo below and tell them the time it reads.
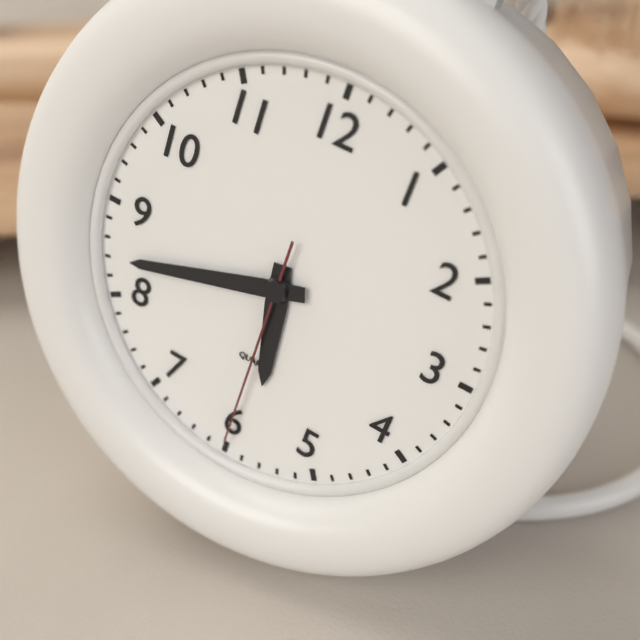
5:42:30
